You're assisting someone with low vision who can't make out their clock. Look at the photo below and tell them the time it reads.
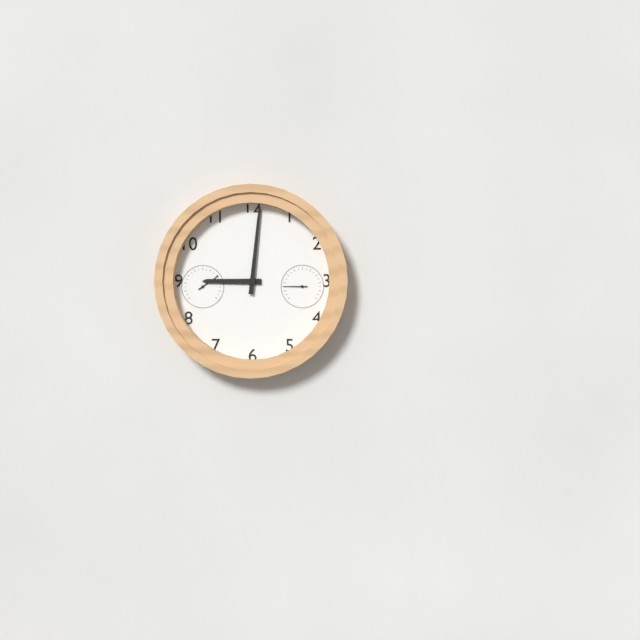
9:01
